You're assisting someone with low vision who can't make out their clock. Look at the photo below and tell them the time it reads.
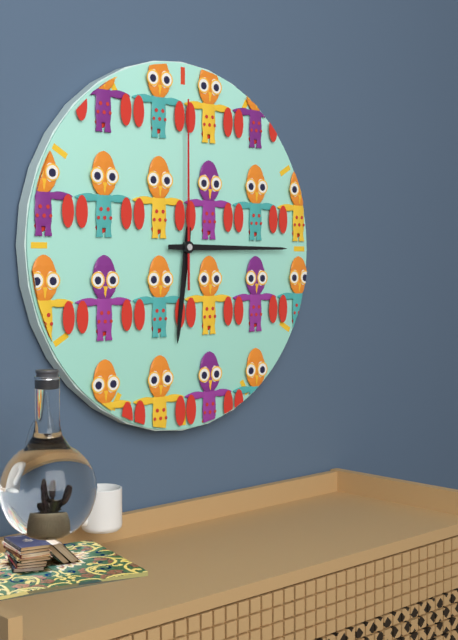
6:15:00
